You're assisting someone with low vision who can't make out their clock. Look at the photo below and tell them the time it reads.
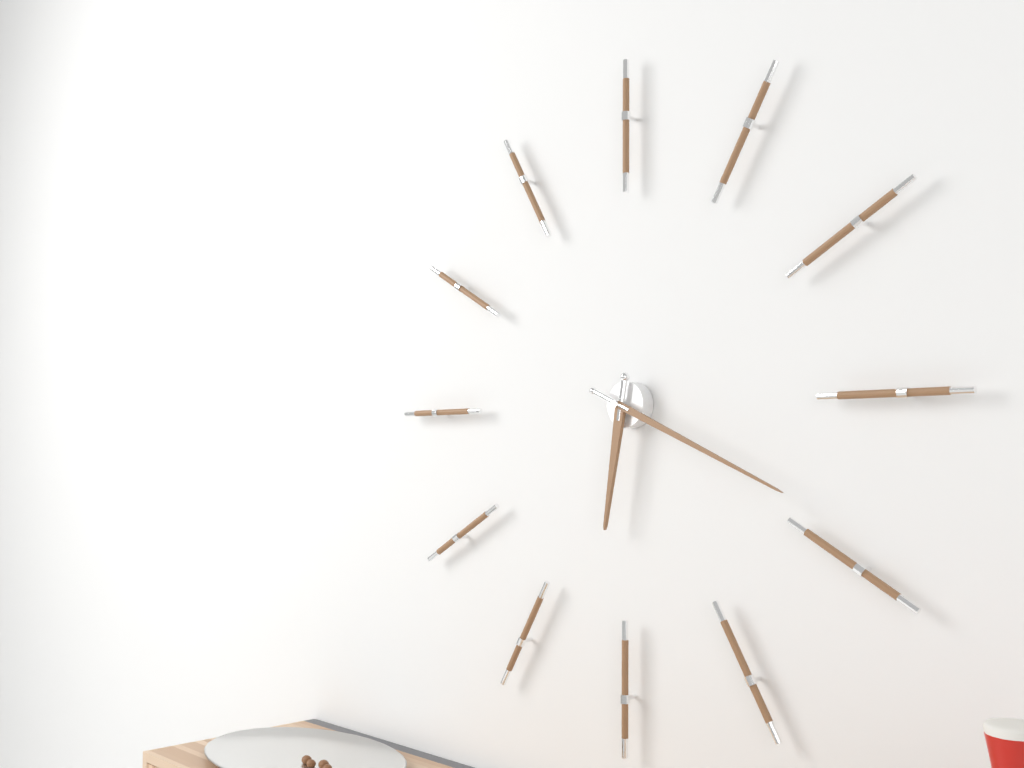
6:19
